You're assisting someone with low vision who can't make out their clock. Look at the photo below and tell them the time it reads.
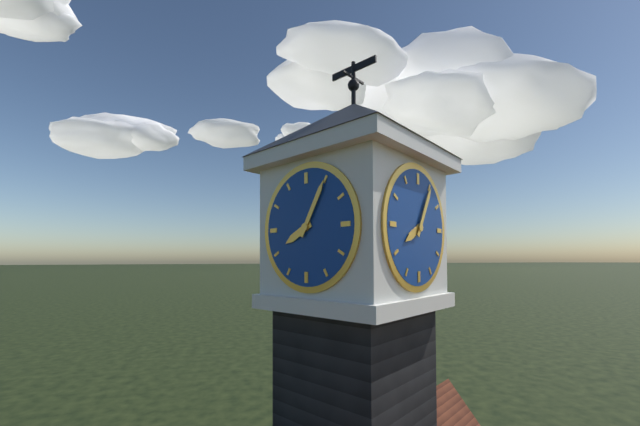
8:05
